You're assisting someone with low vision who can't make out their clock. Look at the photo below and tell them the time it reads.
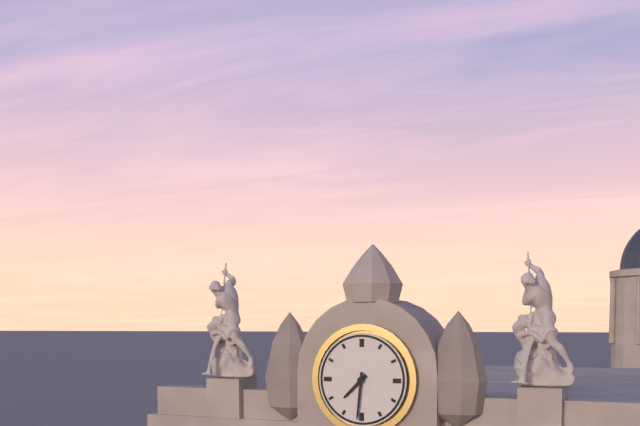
7:31
